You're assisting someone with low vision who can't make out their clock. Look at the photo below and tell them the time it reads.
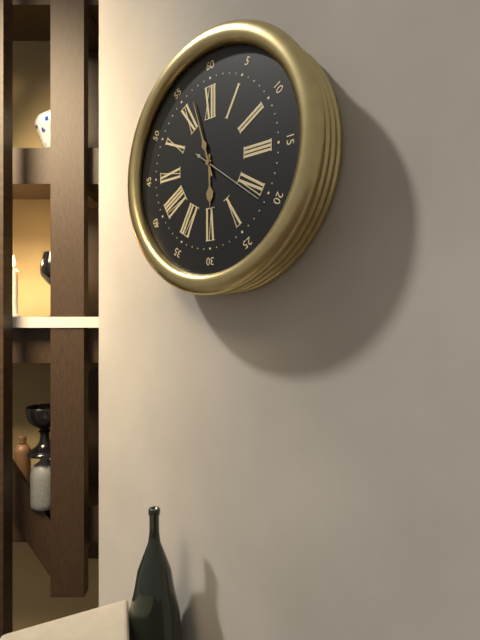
5:57:21
